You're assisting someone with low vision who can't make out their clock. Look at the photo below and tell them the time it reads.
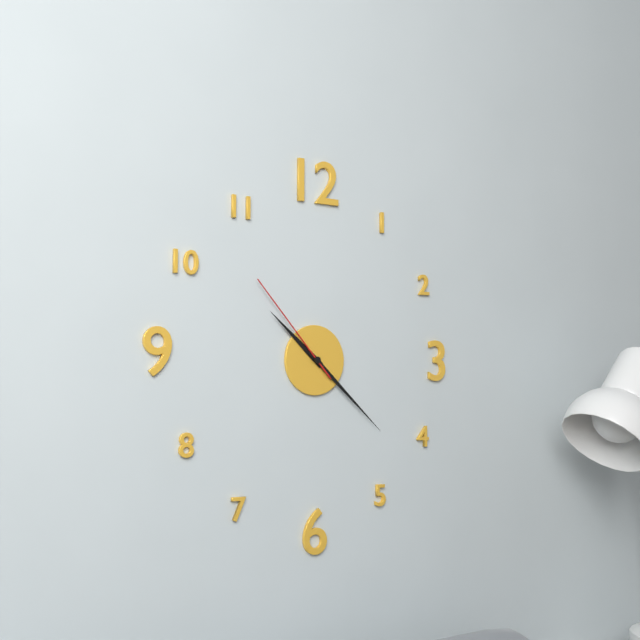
10:22:53
